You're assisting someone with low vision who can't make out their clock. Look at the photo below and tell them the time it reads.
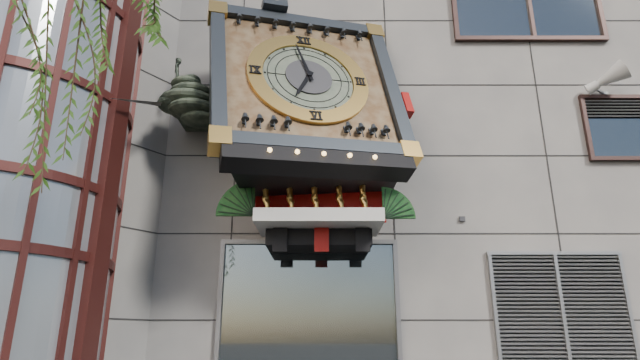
6:58
